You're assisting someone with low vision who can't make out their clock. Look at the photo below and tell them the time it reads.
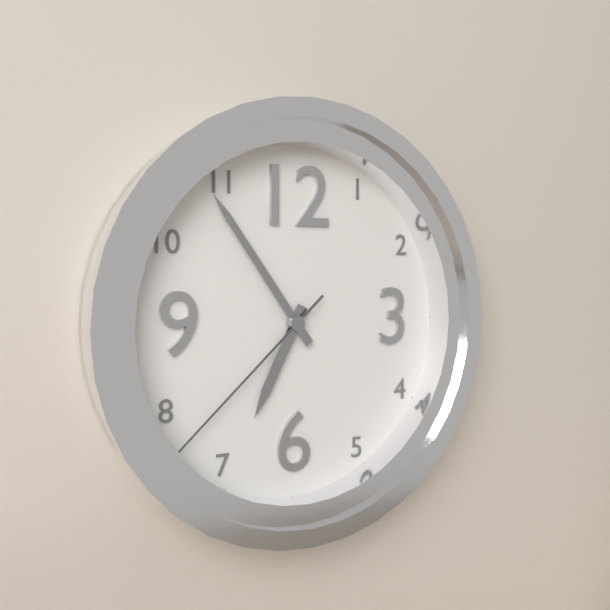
6:54:38
